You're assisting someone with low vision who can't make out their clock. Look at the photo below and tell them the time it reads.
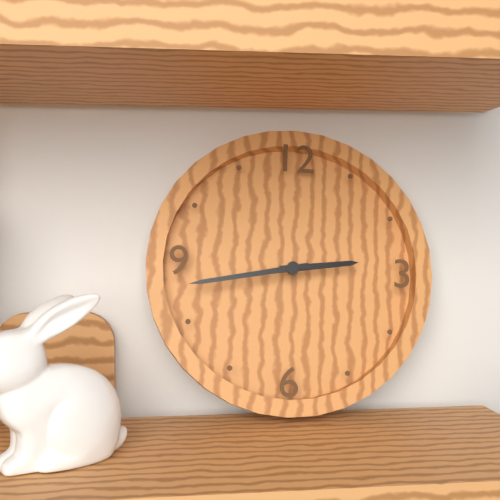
2:43
